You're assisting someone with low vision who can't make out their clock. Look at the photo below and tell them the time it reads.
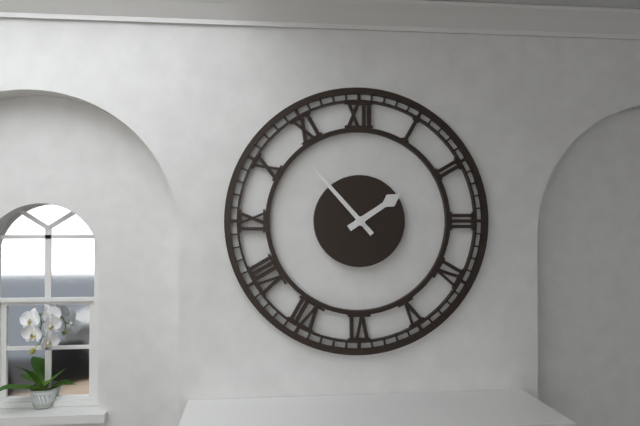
1:53
